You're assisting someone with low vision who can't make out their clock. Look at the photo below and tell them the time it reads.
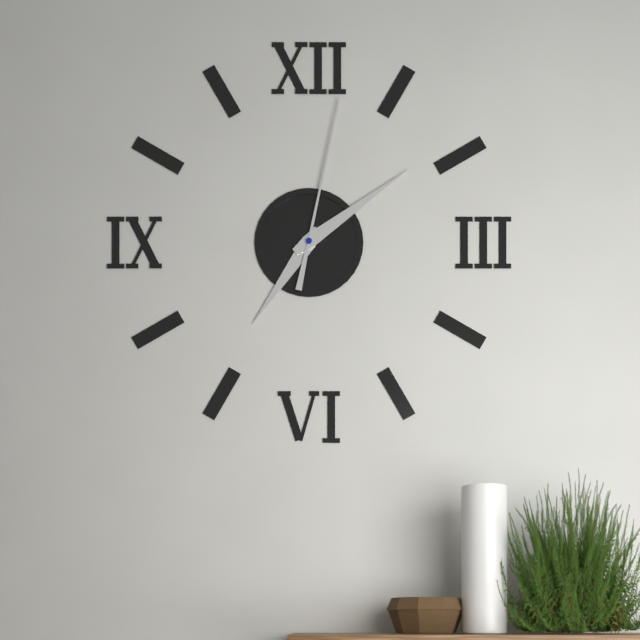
7:09:02
